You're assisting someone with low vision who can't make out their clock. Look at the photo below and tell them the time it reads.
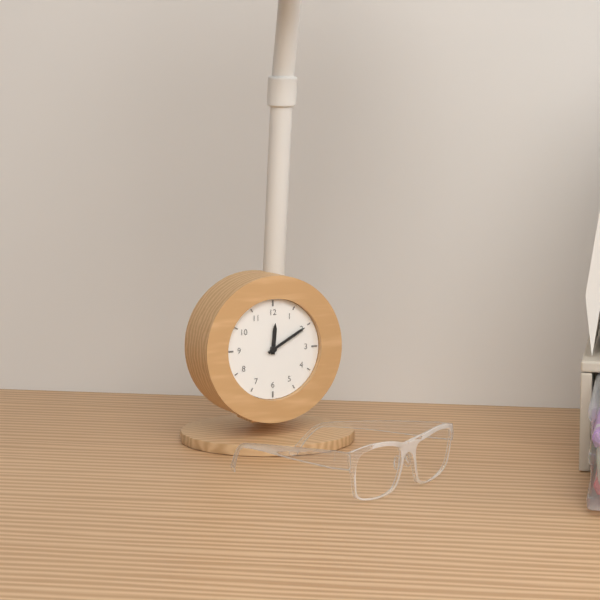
12:10
